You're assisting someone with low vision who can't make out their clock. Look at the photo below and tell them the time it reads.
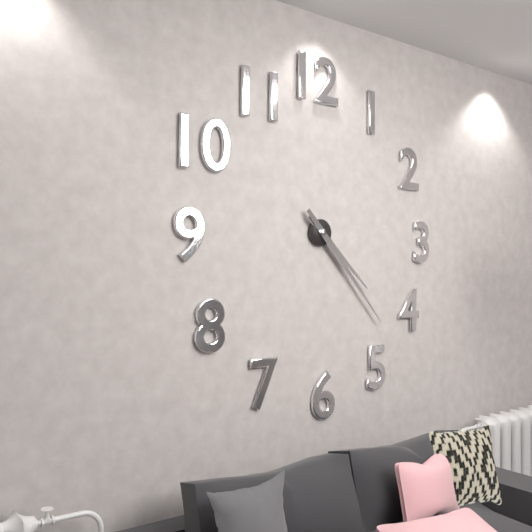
4:23
